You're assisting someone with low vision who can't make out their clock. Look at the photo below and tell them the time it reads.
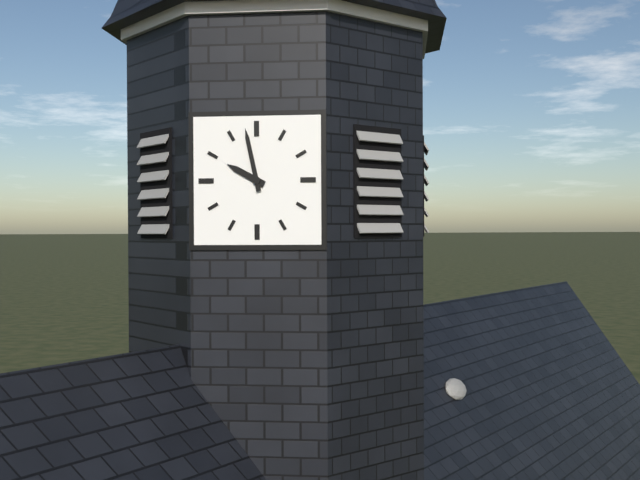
9:58
